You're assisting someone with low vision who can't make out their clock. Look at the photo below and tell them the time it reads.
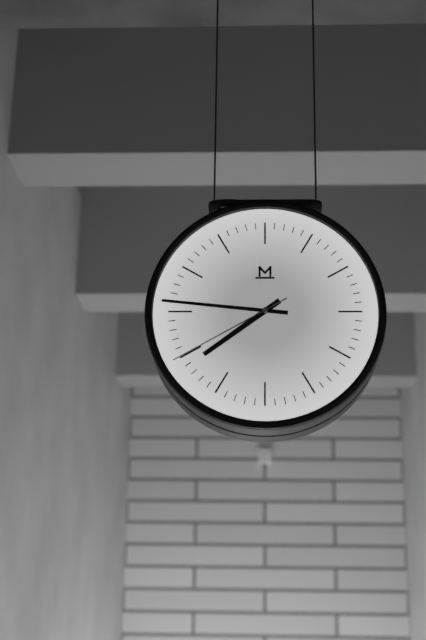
7:46:40
